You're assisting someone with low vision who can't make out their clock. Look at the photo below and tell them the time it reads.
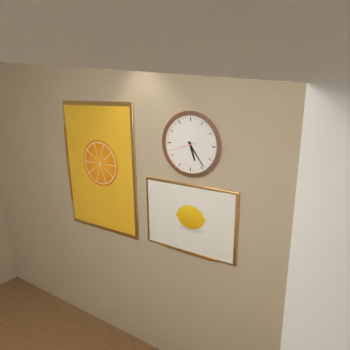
5:24
